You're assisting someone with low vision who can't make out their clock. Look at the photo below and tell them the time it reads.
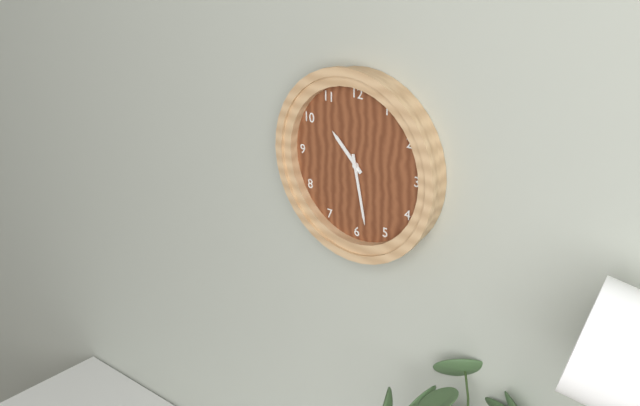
10:28
